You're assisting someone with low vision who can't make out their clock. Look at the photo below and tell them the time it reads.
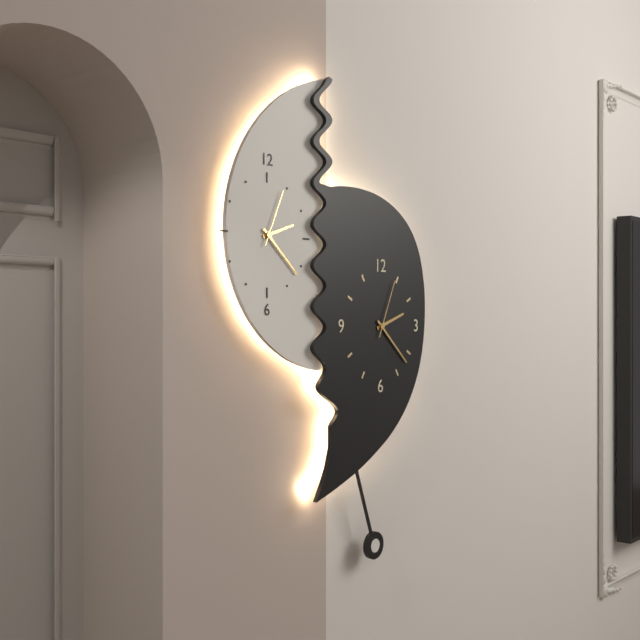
2:22:04
